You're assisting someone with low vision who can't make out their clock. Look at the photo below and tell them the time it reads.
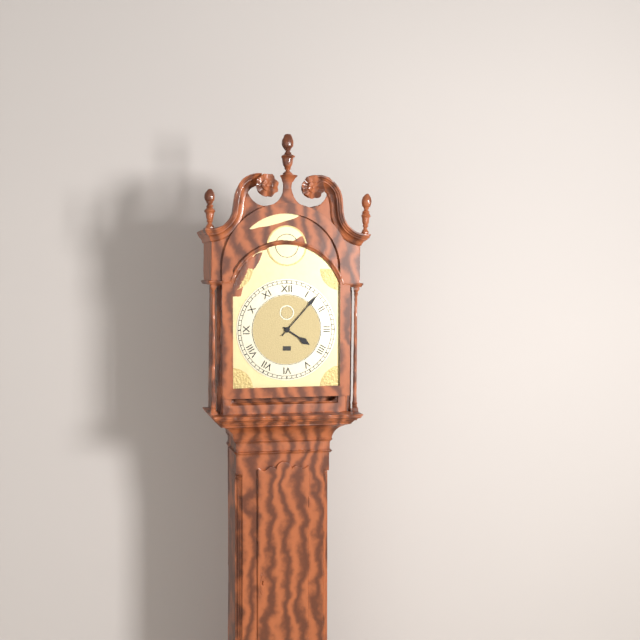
4:07
